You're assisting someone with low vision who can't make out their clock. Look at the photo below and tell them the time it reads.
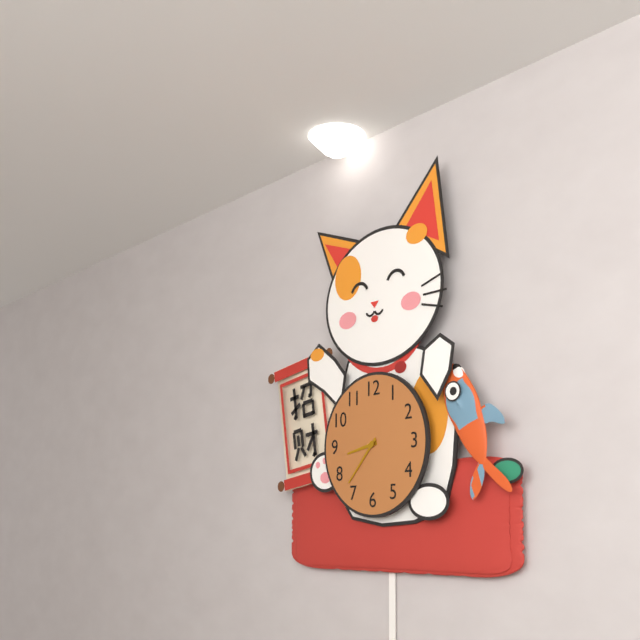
8:37
